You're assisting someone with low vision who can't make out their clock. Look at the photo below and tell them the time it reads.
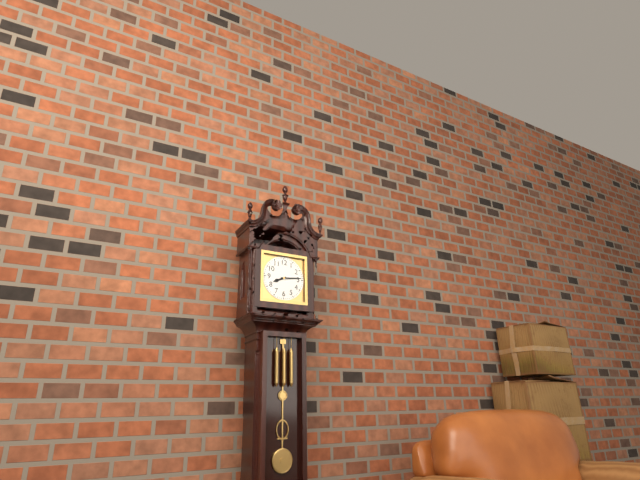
8:14
